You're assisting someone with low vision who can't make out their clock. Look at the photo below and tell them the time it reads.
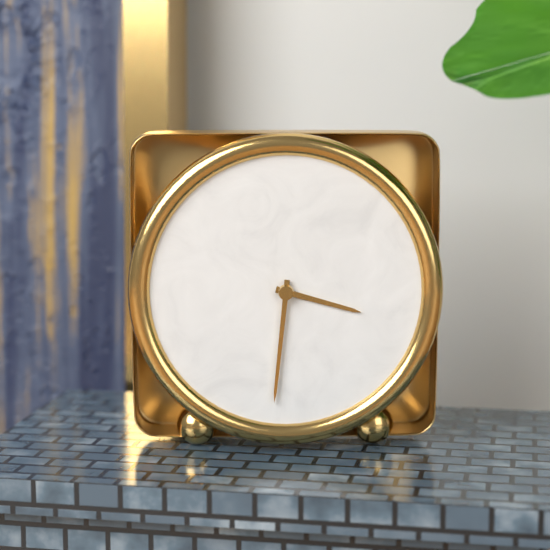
3:31
